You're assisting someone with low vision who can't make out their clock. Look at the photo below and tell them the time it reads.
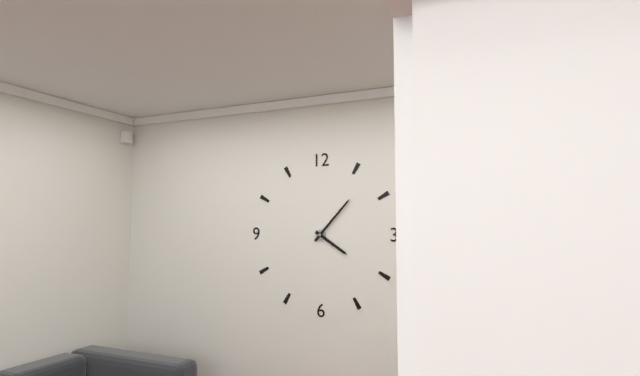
4:07
